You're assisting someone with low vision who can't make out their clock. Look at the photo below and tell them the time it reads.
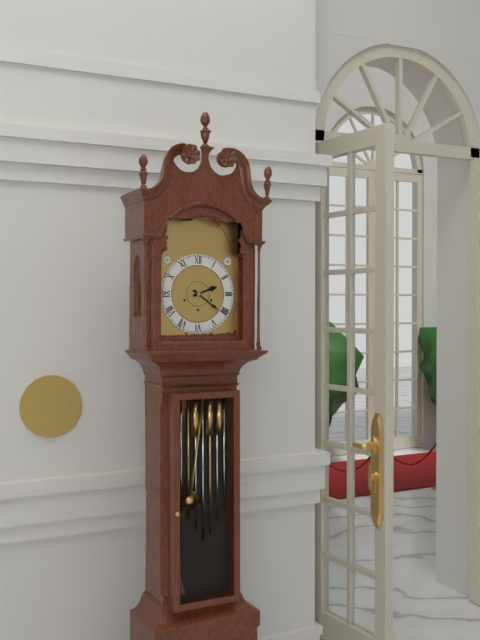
2:21
